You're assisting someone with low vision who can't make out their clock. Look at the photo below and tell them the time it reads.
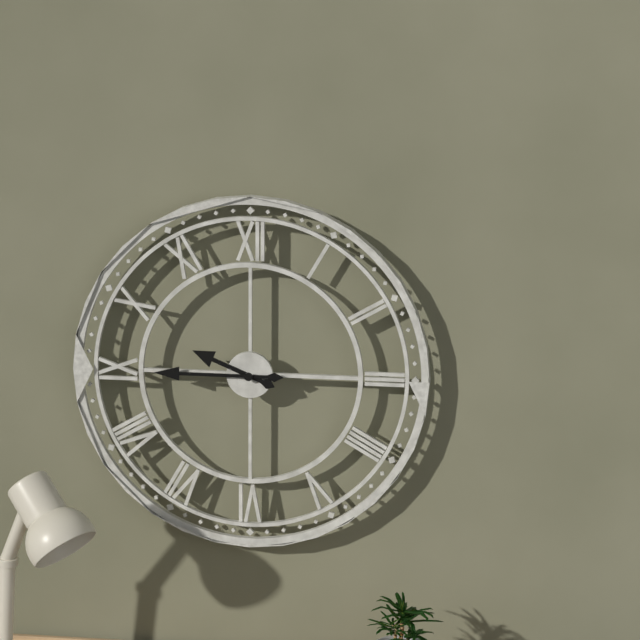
9:45
